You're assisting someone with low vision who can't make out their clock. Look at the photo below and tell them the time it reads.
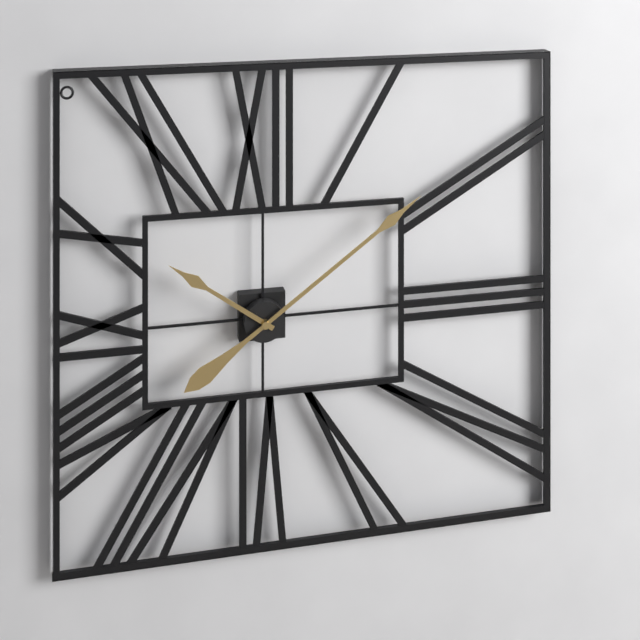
10:09
